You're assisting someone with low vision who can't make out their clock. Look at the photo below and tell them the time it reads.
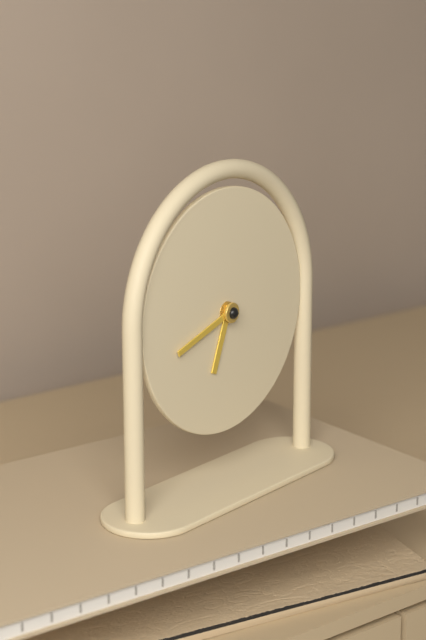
6:42
